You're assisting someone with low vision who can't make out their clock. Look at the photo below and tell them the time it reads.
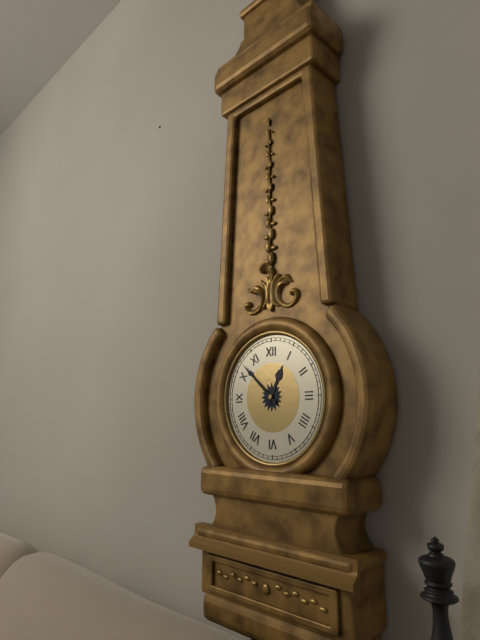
12:52
